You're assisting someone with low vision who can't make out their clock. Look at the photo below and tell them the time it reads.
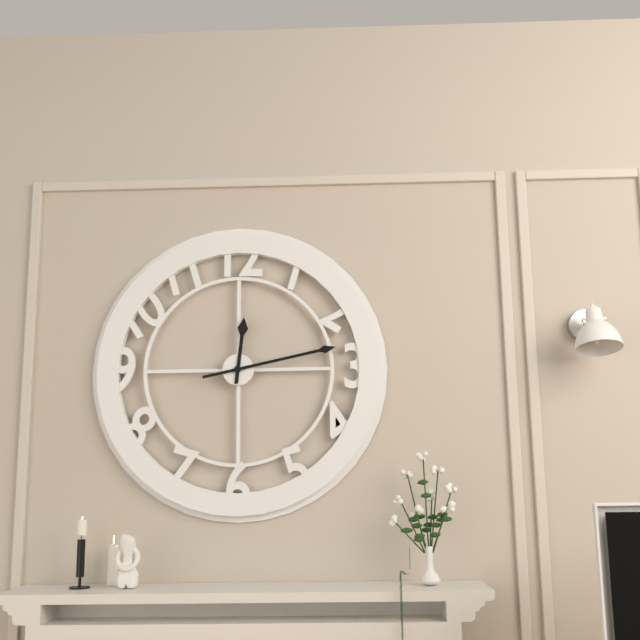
12:13
